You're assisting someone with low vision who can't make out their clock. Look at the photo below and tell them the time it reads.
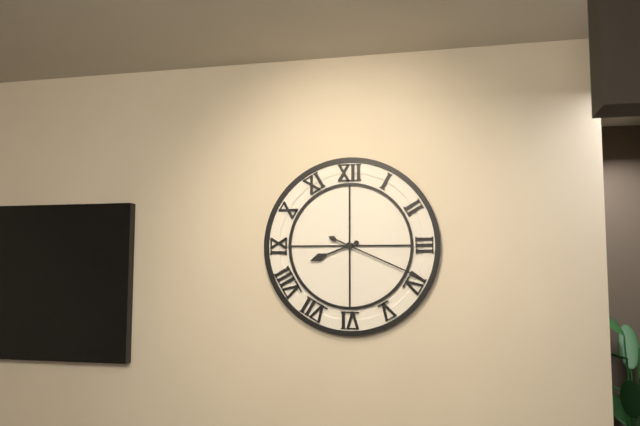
8:19
